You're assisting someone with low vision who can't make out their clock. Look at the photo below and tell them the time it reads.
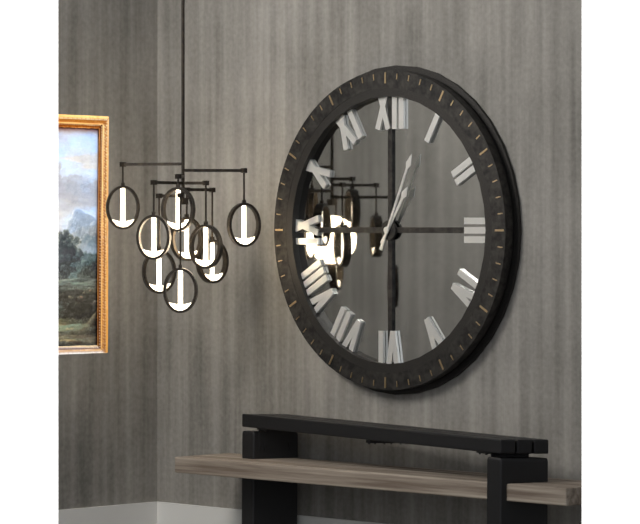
1:04
